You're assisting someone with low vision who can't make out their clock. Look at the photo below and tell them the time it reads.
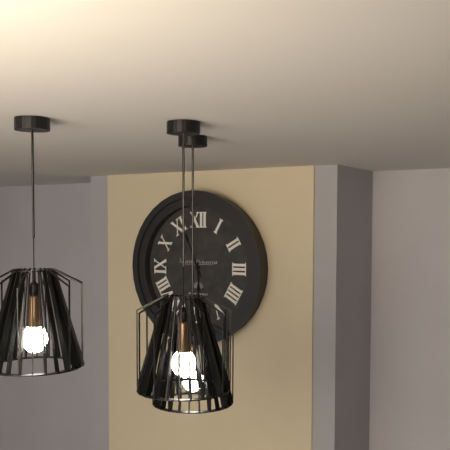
5:56
